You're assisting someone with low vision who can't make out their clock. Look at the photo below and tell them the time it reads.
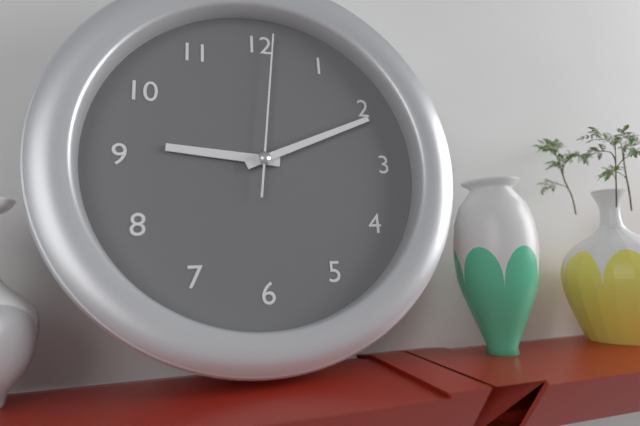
9:11:01
